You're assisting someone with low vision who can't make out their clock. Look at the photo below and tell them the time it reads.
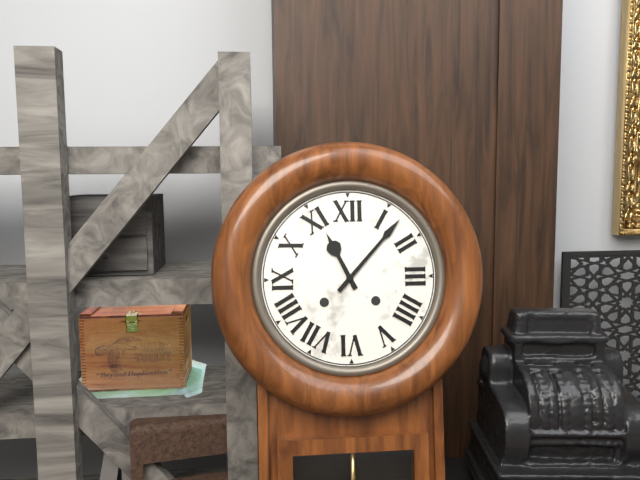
11:07
